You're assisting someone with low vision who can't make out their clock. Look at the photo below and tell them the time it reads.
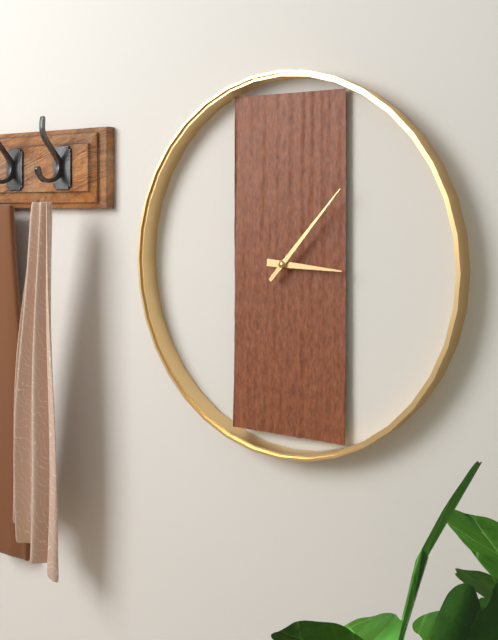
3:07
